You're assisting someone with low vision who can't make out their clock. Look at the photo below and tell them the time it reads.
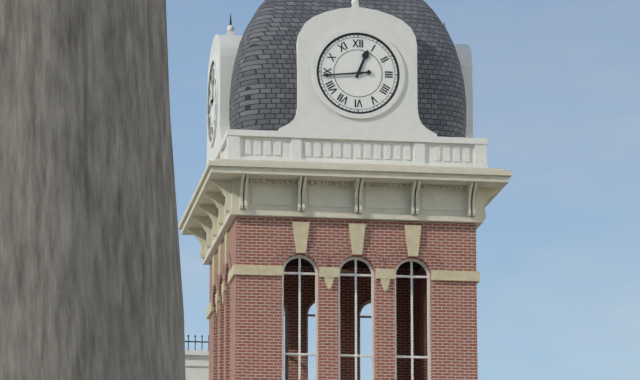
12:44
